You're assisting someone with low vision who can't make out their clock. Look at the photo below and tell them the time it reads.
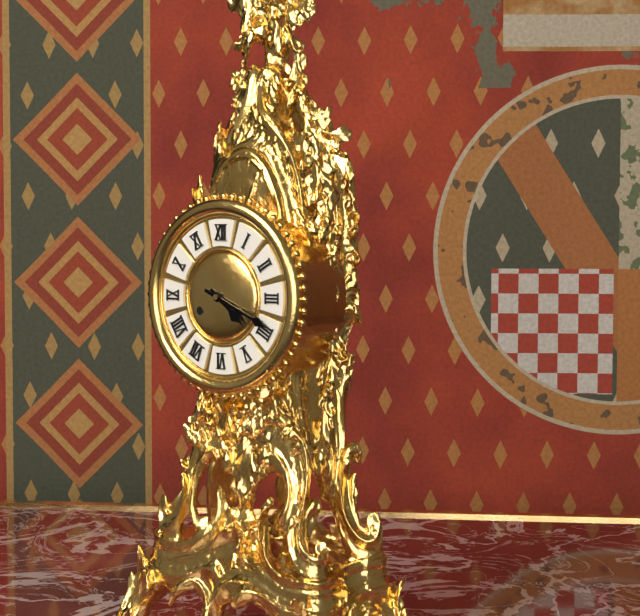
4:19
